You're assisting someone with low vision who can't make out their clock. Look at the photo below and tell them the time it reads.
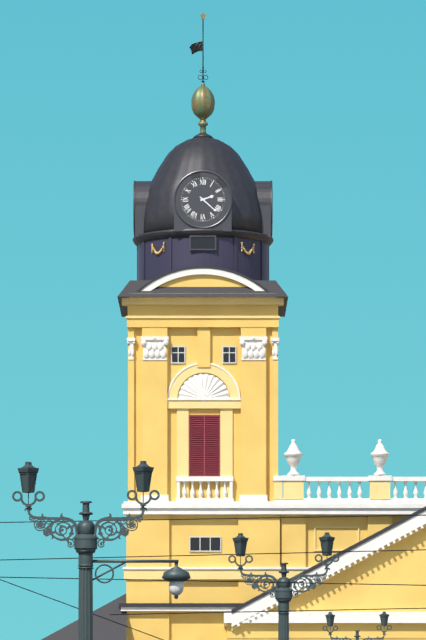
2:22
